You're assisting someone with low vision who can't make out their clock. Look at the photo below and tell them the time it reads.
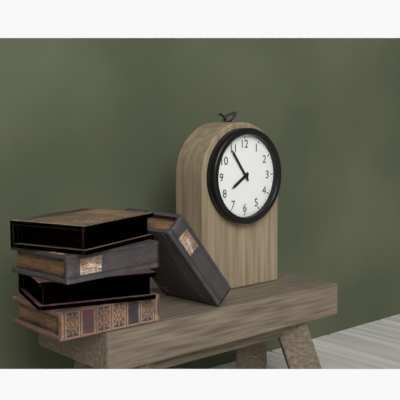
7:54
